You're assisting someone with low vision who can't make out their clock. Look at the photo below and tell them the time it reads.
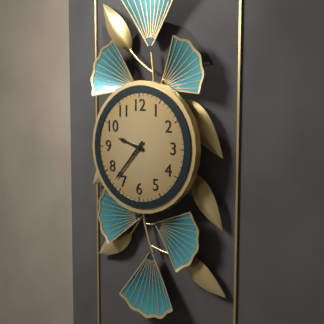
9:37
